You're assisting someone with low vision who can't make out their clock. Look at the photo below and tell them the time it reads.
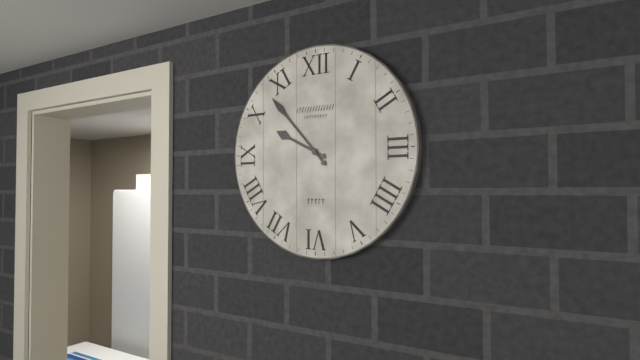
9:53
